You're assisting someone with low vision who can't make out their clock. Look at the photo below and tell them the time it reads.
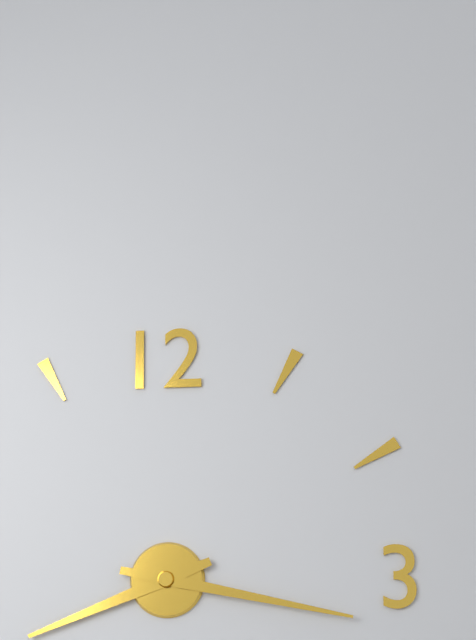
8:17
